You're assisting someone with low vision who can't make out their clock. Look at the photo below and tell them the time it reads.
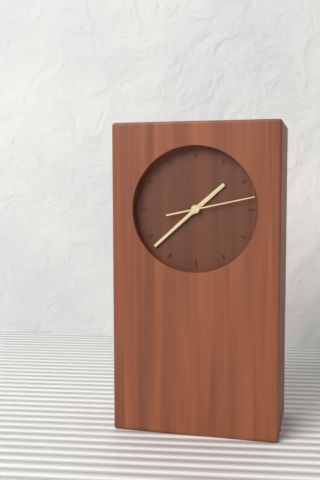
1:38:13
